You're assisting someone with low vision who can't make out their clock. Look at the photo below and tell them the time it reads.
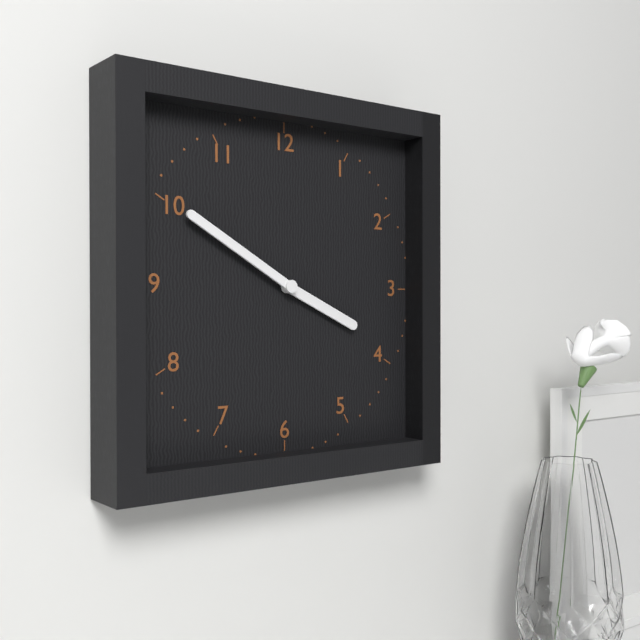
3:50
